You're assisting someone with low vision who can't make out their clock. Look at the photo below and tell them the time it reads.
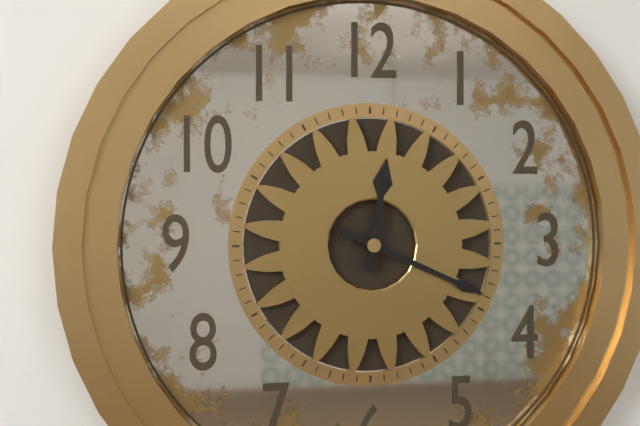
12:19
